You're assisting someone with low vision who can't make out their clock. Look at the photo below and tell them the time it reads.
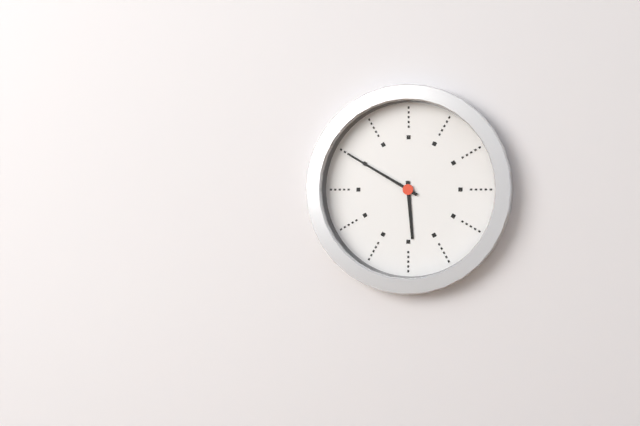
5:50
